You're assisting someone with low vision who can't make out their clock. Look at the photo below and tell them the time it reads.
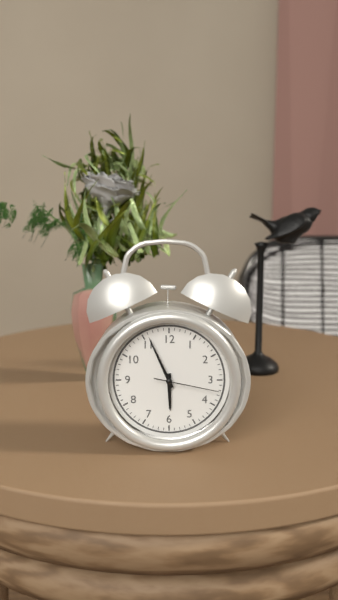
5:56:17
